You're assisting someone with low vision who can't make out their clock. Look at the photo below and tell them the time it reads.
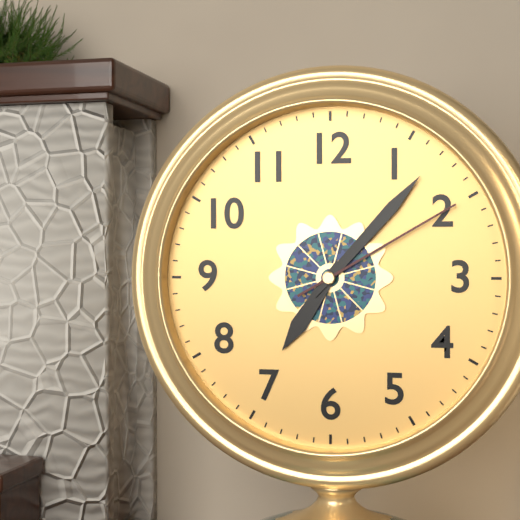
7:07:10
